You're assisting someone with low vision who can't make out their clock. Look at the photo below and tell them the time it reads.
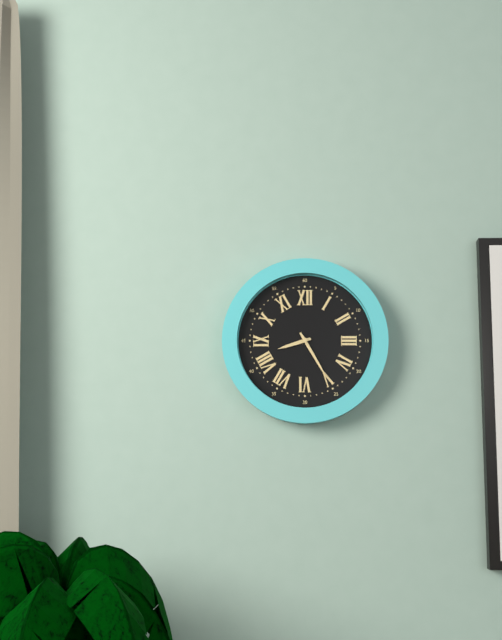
8:25
